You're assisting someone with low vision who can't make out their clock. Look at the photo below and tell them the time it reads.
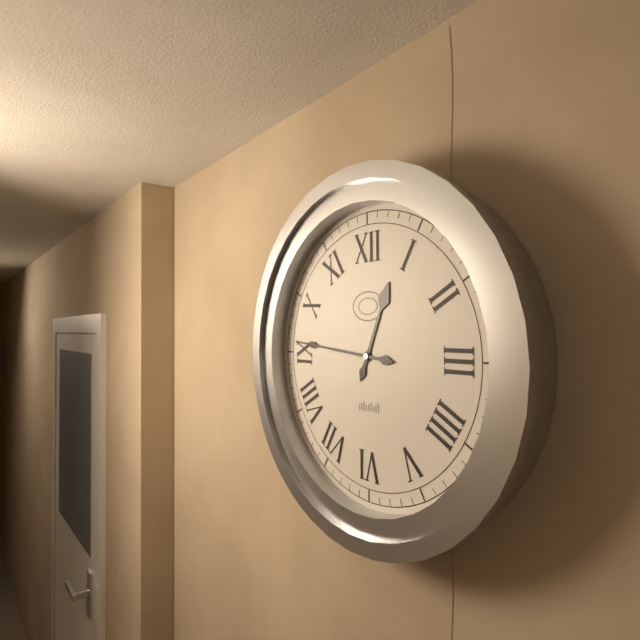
12:46
